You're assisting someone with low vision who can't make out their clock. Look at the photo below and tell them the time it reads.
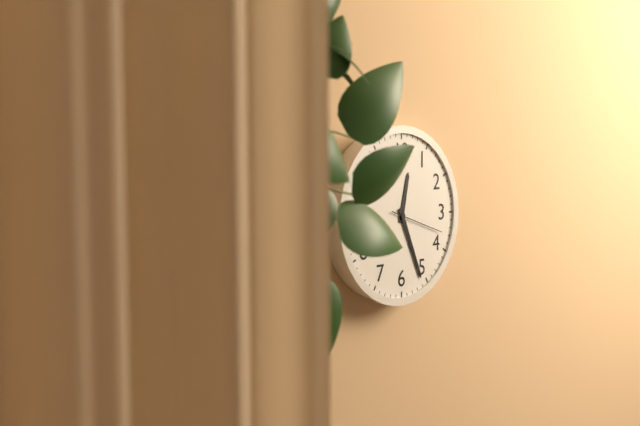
12:26:18
